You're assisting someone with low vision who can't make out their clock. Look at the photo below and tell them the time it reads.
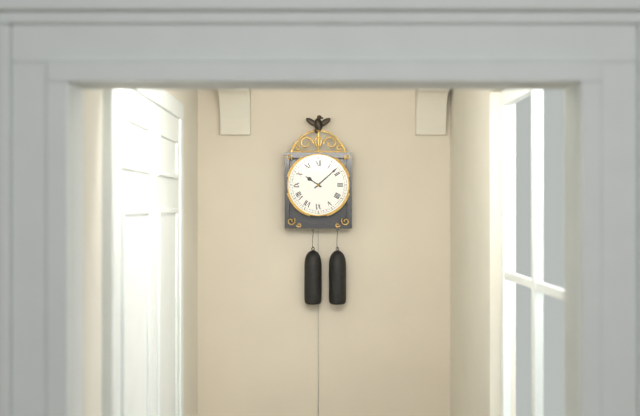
10:08
